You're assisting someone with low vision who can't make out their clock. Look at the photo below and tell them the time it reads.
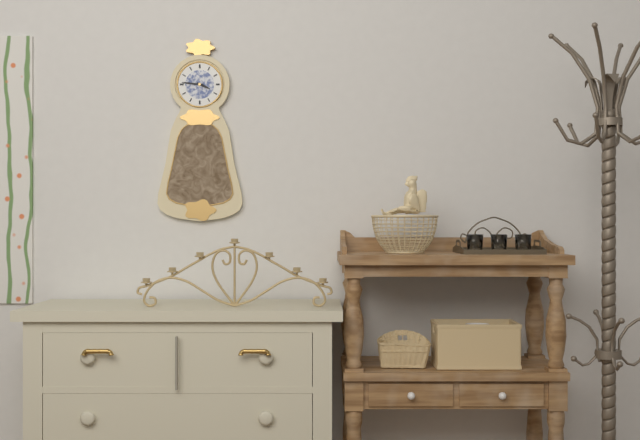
3:46
